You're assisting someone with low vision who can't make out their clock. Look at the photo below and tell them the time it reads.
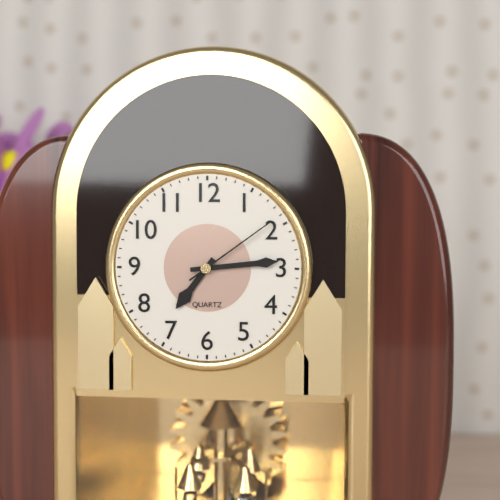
7:14:09
